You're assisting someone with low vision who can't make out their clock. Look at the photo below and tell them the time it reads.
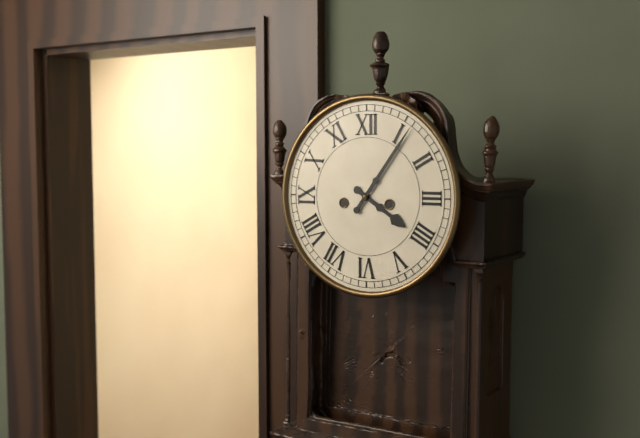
4:06
